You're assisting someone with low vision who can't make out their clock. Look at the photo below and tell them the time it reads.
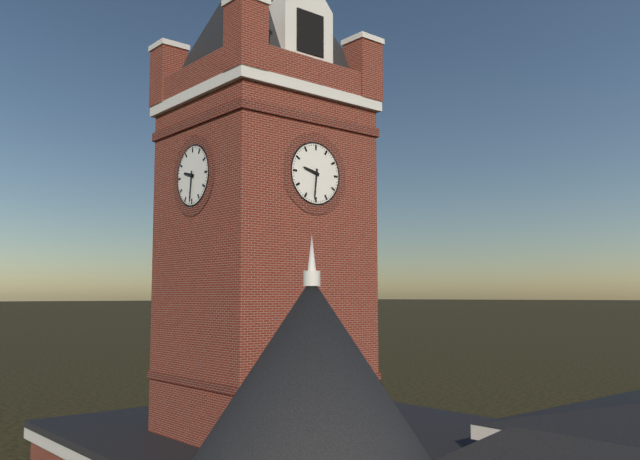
9:31
